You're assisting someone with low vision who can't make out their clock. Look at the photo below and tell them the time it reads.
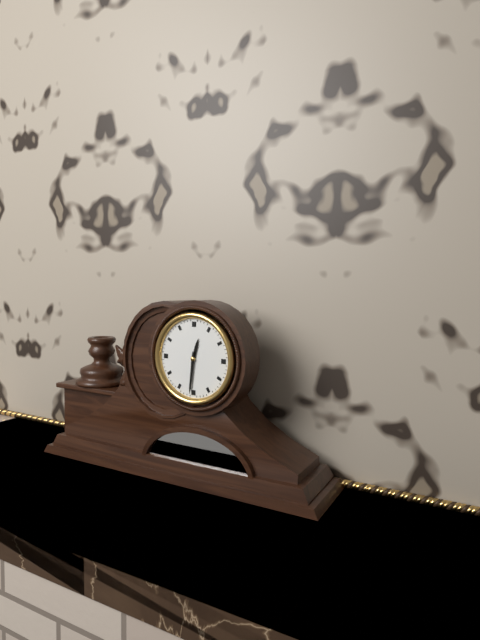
12:31
